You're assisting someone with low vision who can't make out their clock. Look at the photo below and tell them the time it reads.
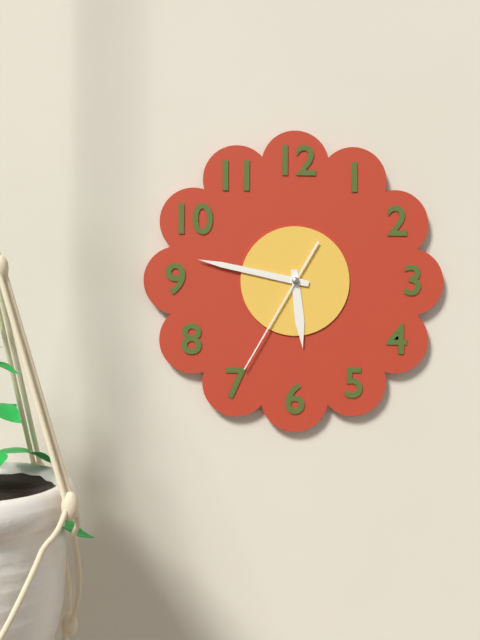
5:47:35
